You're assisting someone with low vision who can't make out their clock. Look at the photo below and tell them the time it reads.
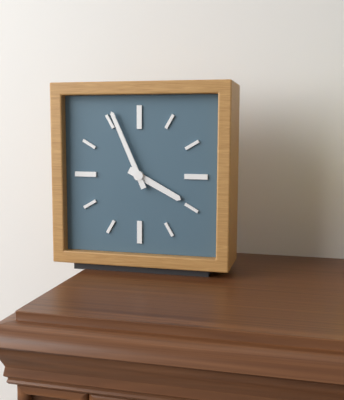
3:56
